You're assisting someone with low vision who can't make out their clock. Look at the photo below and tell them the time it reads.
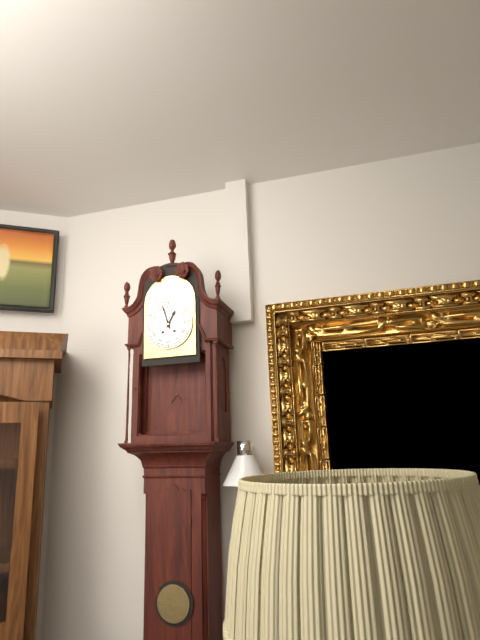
12:57
